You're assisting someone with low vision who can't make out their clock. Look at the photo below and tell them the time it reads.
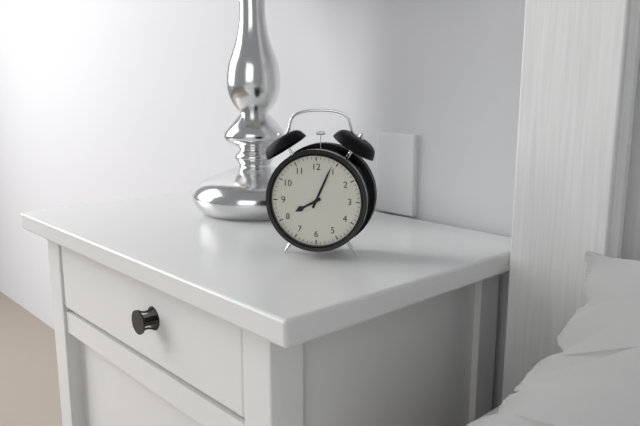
8:04
